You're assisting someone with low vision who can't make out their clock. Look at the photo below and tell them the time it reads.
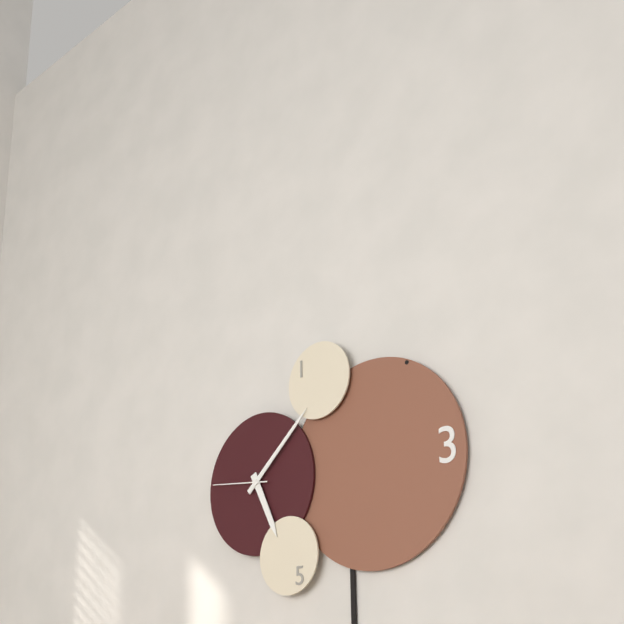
5:08:46
